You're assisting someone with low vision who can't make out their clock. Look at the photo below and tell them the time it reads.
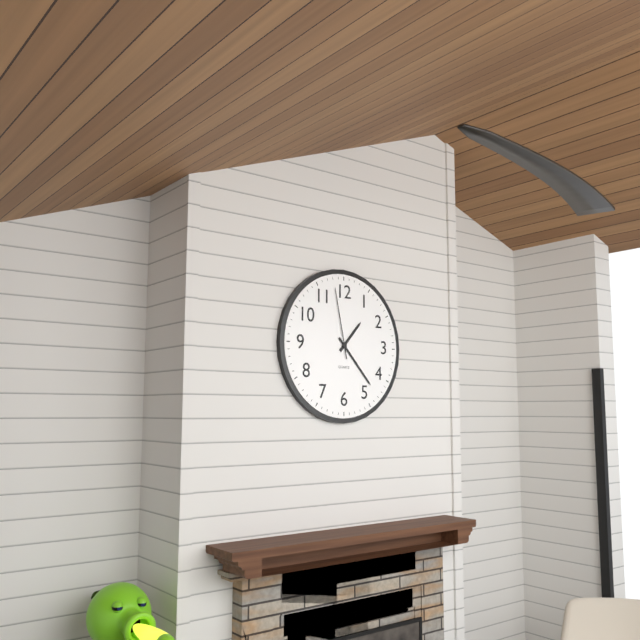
1:23:58
